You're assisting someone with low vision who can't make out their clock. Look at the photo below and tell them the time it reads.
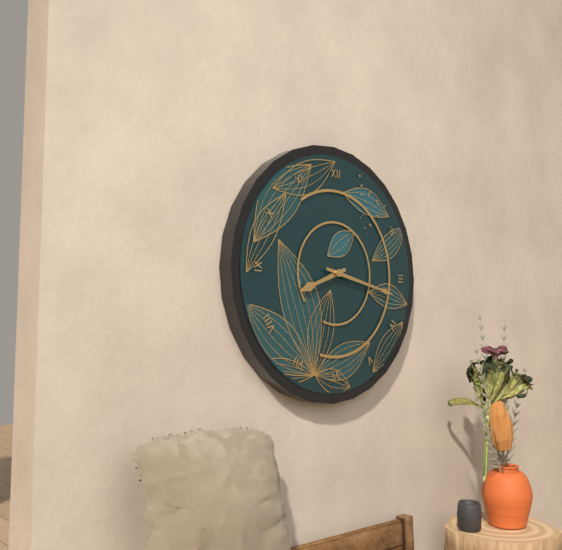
8:17
